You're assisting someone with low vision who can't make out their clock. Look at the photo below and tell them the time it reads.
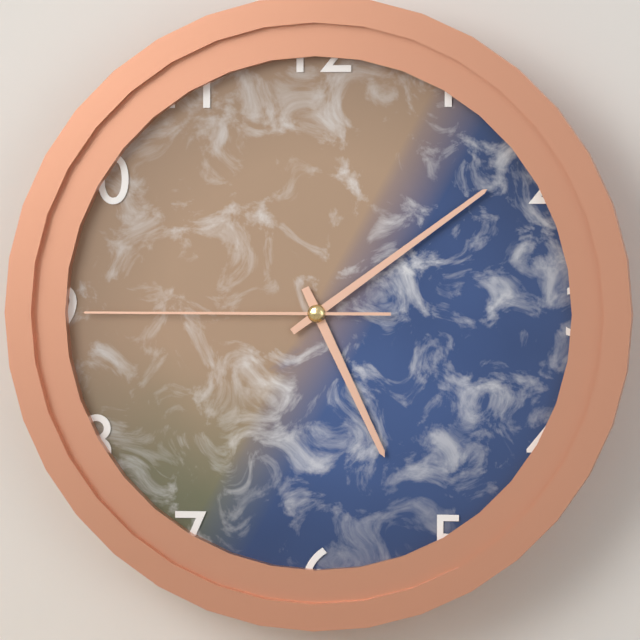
5:09:45
